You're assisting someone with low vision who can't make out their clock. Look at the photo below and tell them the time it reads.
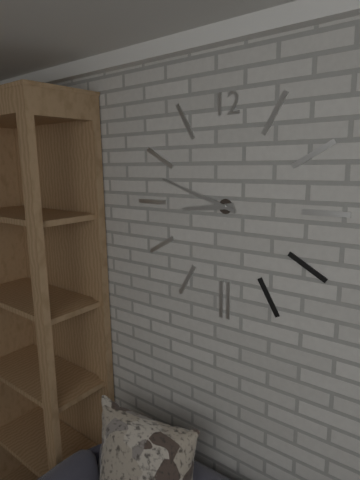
8:48
